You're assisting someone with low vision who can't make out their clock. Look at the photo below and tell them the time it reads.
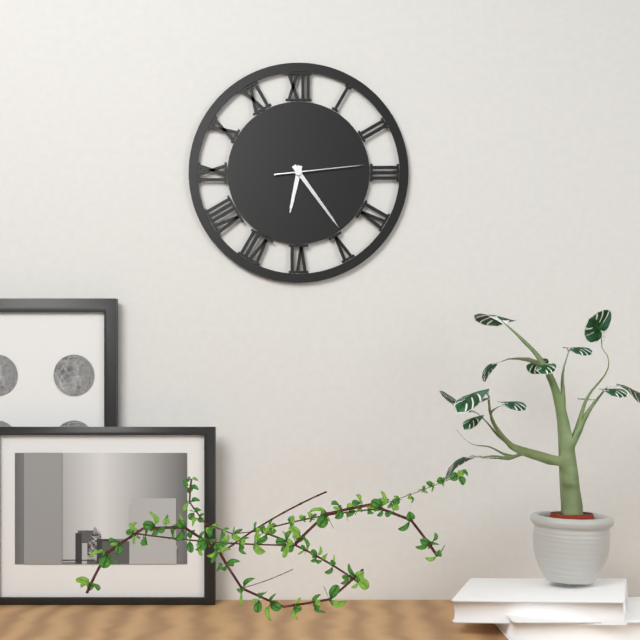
6:24:14
